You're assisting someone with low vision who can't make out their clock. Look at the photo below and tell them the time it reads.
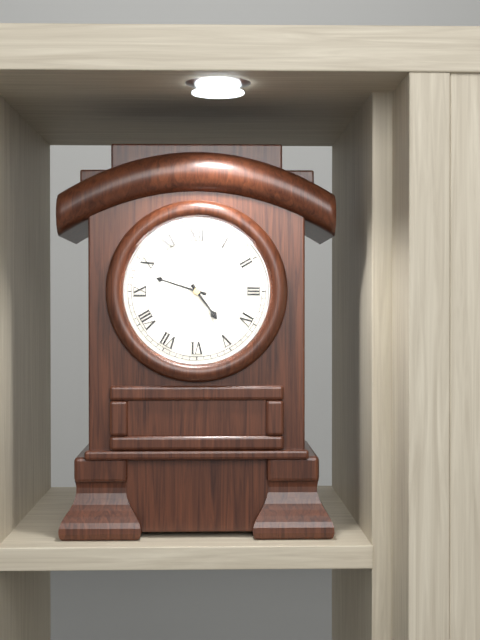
4:48
